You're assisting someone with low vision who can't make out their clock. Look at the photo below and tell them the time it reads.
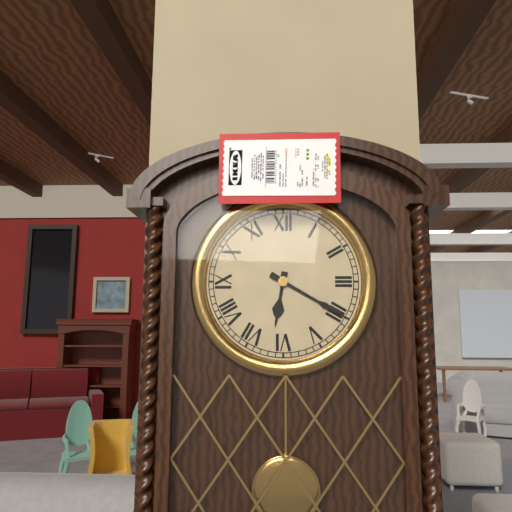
6:20
